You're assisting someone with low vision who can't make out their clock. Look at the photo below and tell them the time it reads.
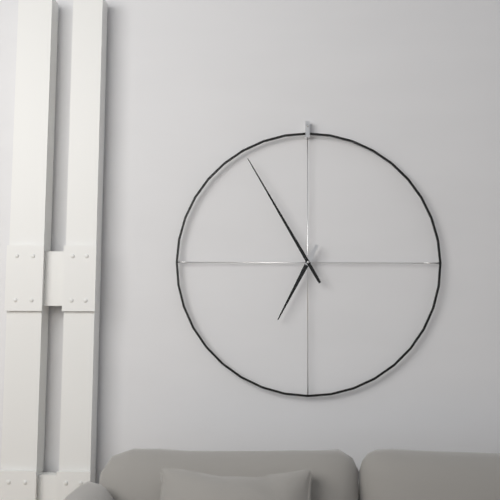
6:55
